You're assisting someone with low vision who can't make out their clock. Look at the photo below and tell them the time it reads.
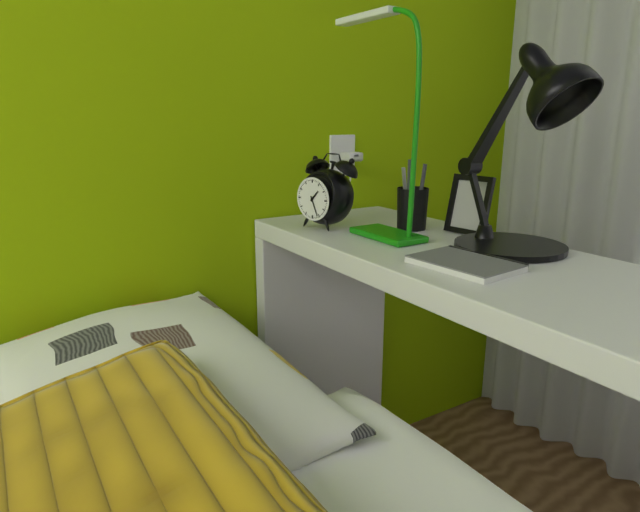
1:26
